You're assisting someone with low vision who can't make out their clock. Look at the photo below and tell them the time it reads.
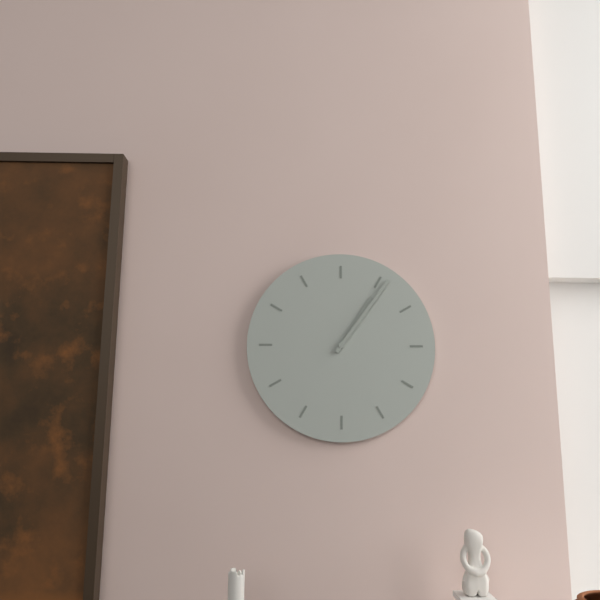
1:06
